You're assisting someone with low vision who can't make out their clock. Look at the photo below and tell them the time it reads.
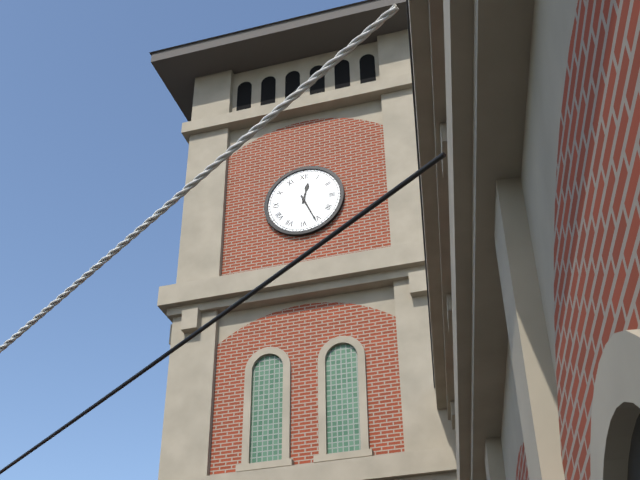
12:26
